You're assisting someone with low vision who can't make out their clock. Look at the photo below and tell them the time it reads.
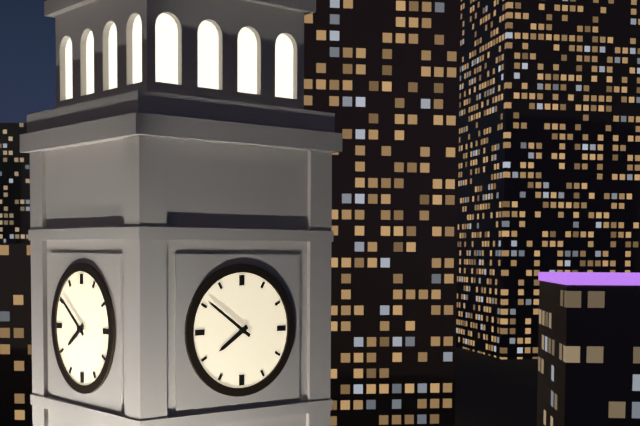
7:51
